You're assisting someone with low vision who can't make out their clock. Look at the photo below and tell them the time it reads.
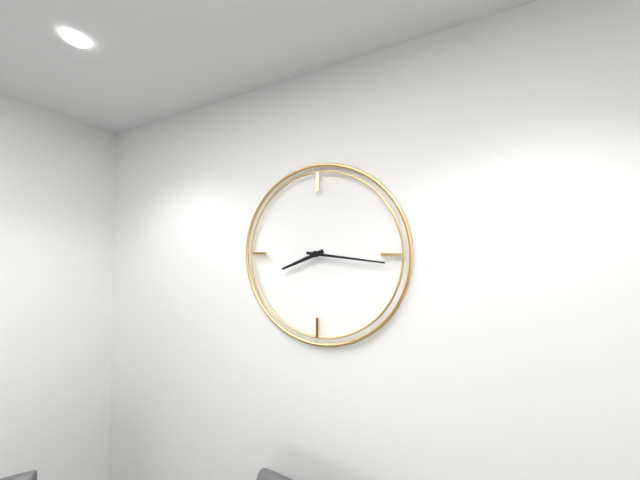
8:16
